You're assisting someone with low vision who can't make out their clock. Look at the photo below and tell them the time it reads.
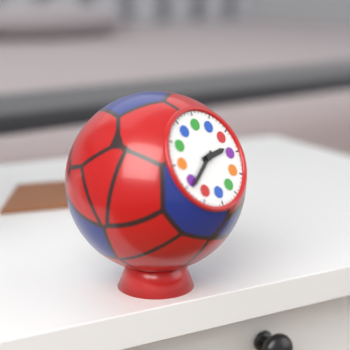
2:39
